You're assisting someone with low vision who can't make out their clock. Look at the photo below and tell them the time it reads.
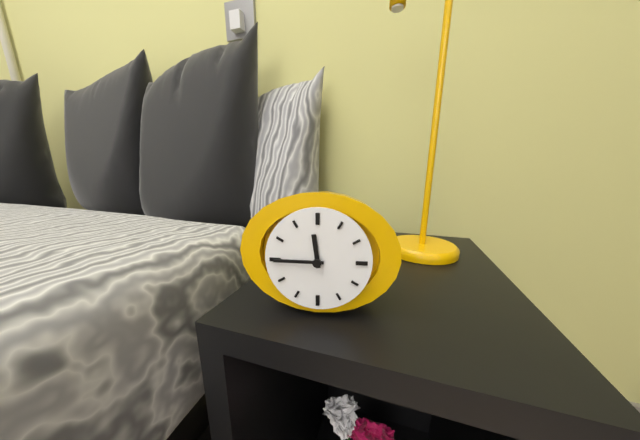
11:45
